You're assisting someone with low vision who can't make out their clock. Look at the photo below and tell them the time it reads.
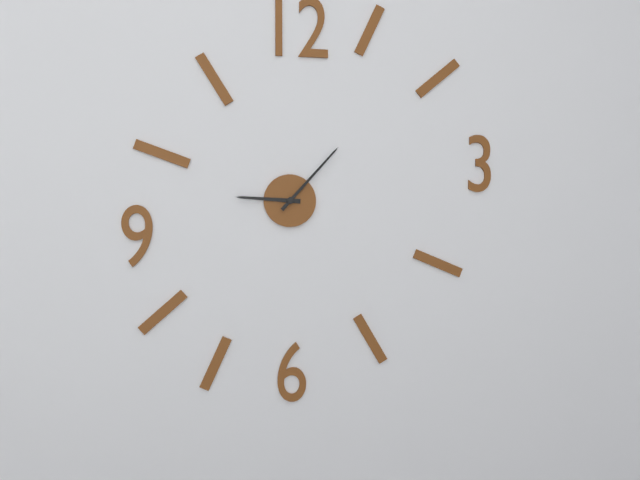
9:07
